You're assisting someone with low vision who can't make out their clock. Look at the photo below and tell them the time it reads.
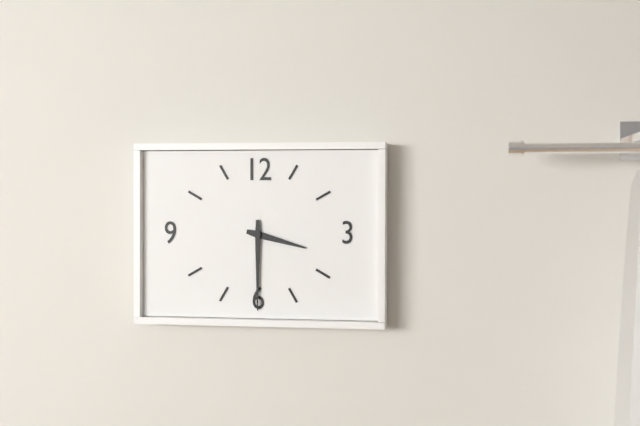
3:30
